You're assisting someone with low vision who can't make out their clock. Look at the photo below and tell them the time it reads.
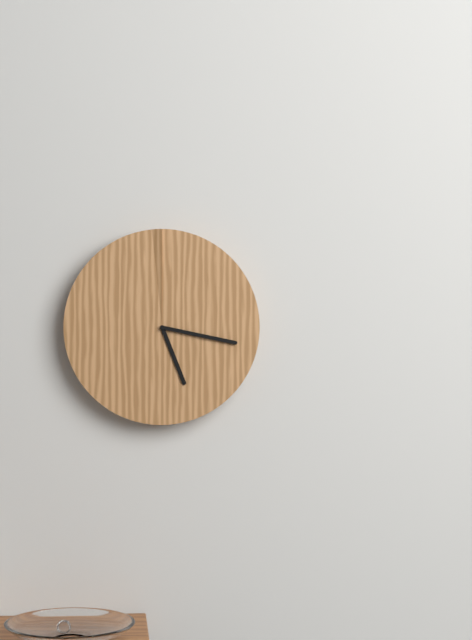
5:17
